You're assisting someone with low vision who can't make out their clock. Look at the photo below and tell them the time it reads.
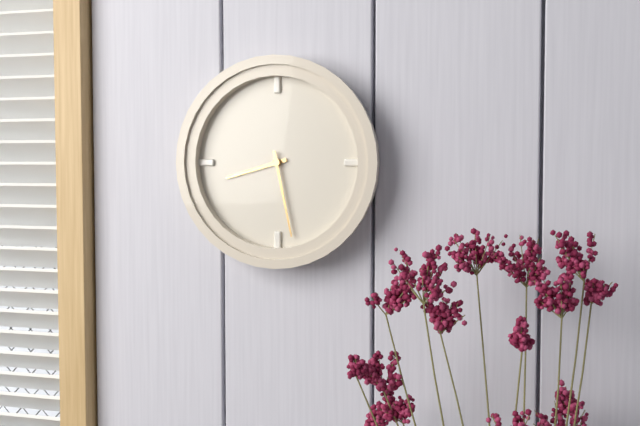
8:28
